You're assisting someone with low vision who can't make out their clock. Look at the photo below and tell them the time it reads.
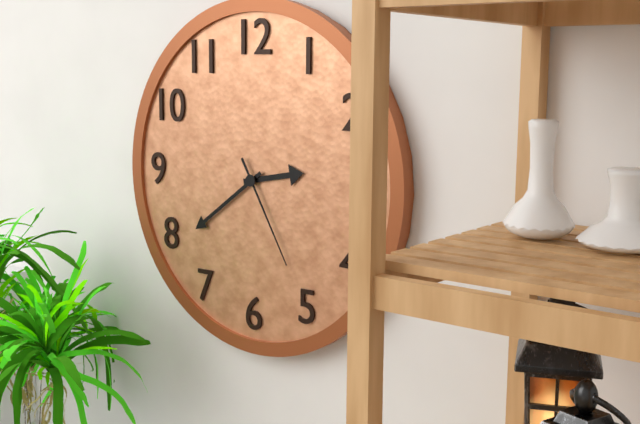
2:39:25
